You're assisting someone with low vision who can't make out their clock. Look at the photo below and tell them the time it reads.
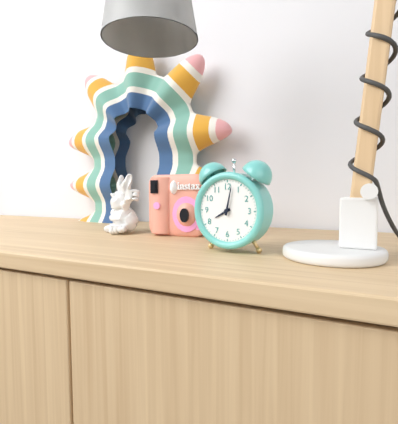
8:02
